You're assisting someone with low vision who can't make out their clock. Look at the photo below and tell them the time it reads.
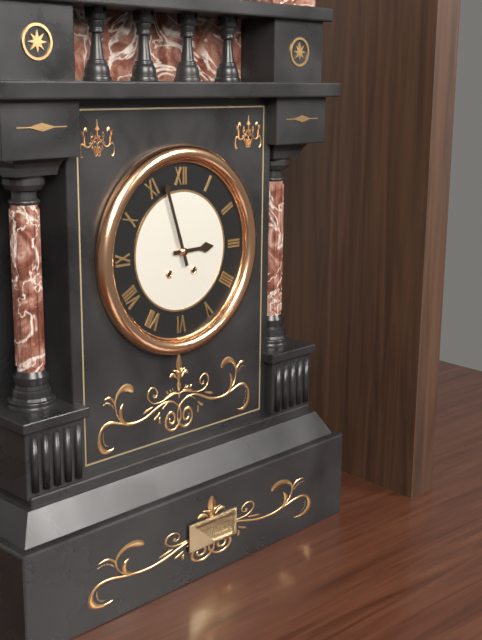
2:57
